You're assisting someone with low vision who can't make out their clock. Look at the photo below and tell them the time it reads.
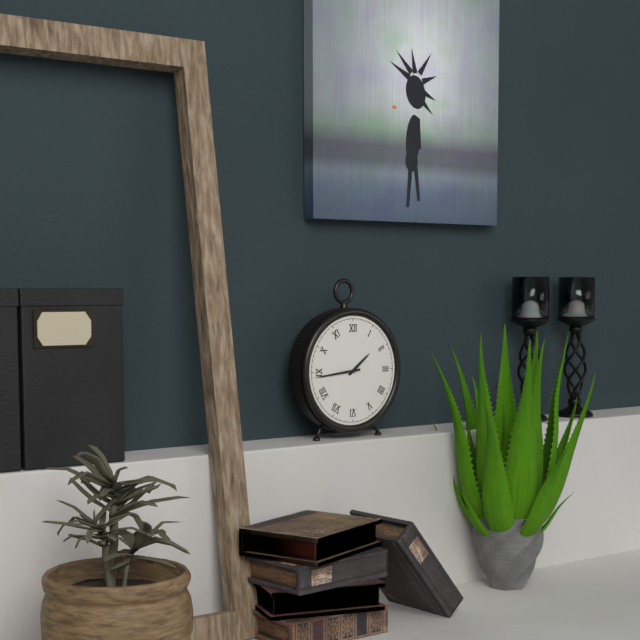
1:44
